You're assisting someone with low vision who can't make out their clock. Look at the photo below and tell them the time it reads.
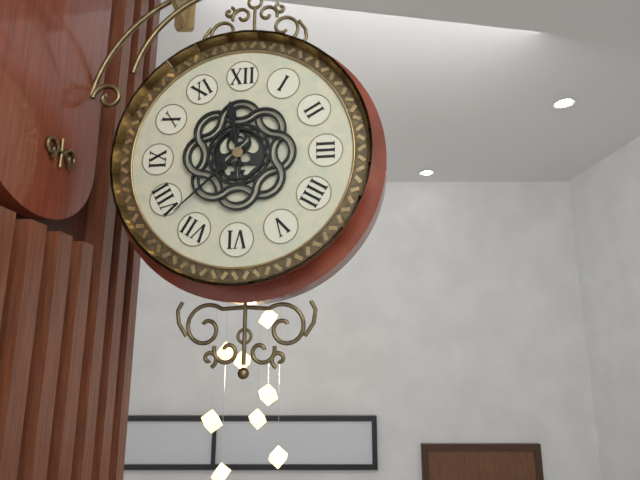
11:38
